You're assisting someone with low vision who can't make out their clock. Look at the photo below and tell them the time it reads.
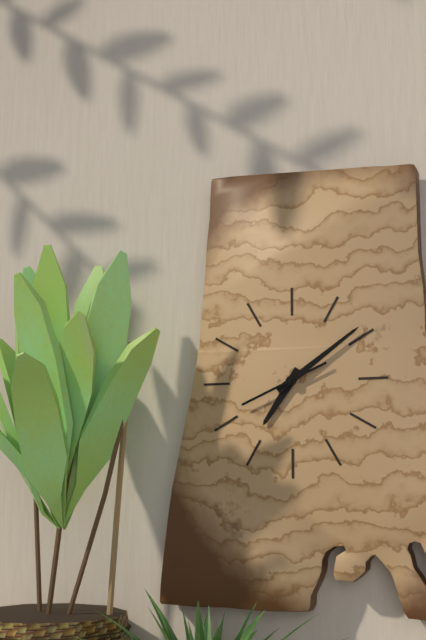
7:09:41
